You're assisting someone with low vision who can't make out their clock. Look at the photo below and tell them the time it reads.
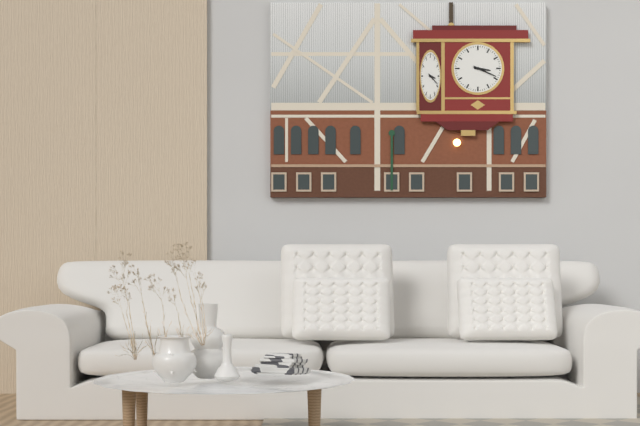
3:19
